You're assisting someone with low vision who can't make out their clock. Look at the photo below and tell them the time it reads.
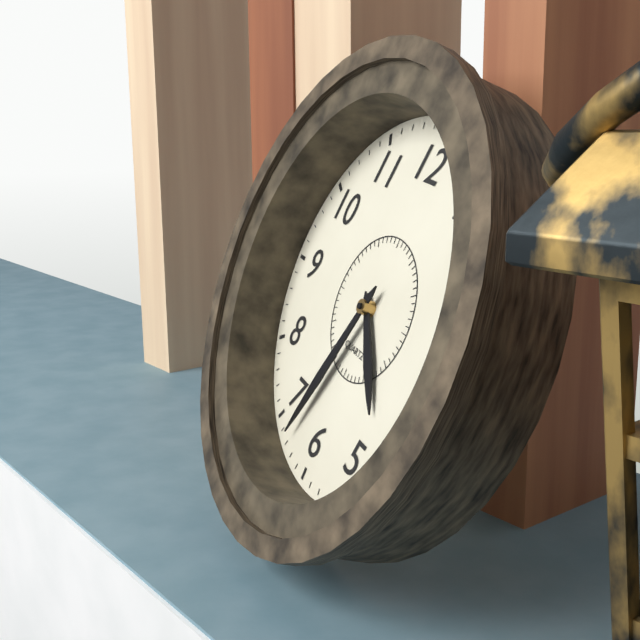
4:33
